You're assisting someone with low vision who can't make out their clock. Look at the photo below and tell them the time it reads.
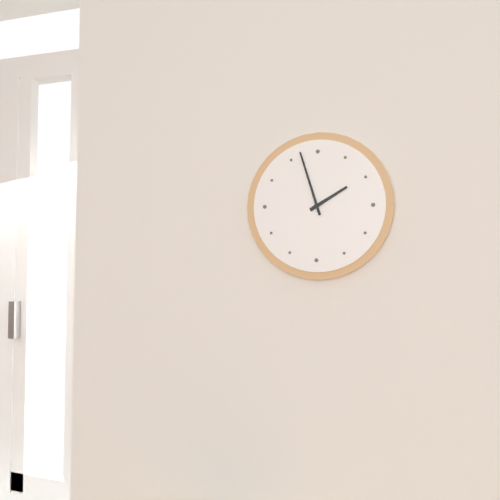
1:57
